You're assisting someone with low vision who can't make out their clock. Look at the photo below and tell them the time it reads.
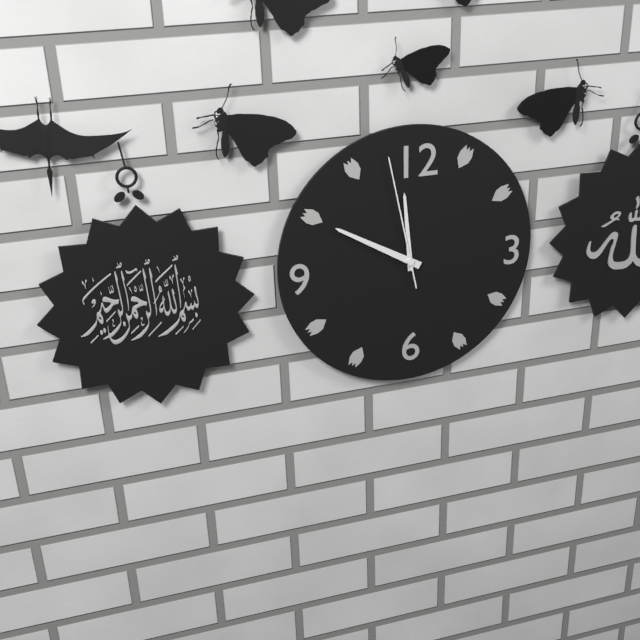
11:50:58
